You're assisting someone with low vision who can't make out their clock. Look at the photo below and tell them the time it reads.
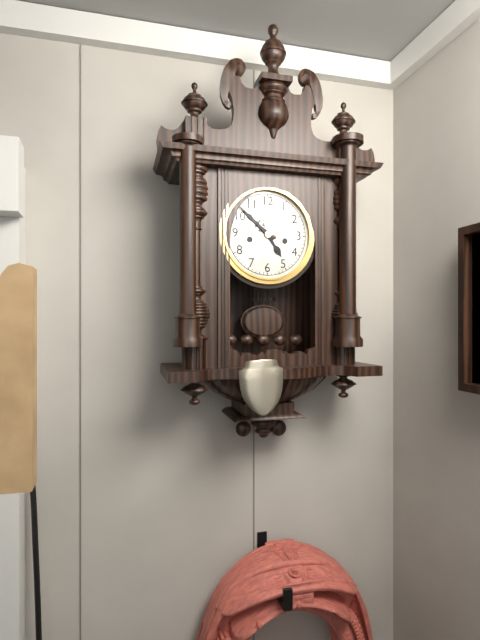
4:52
